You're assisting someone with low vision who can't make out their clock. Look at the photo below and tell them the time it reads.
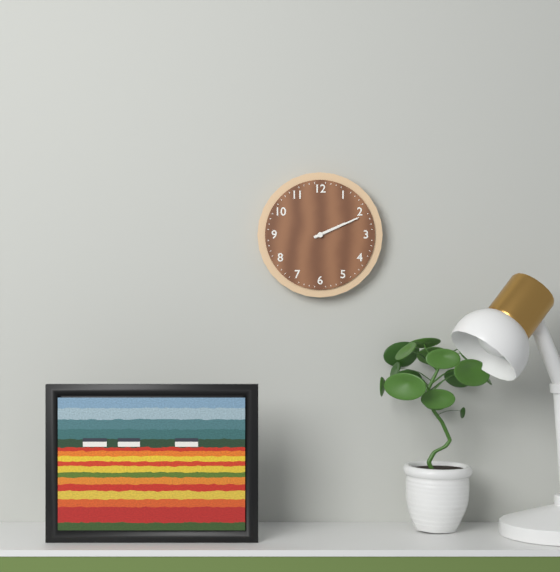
2:11
